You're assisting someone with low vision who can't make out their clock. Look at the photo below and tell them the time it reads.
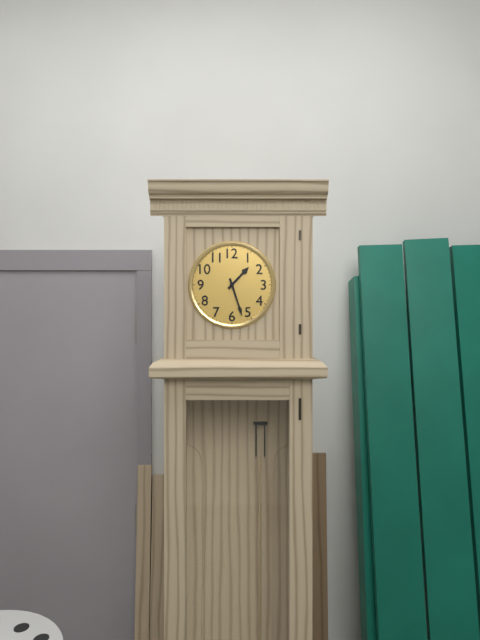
1:27
